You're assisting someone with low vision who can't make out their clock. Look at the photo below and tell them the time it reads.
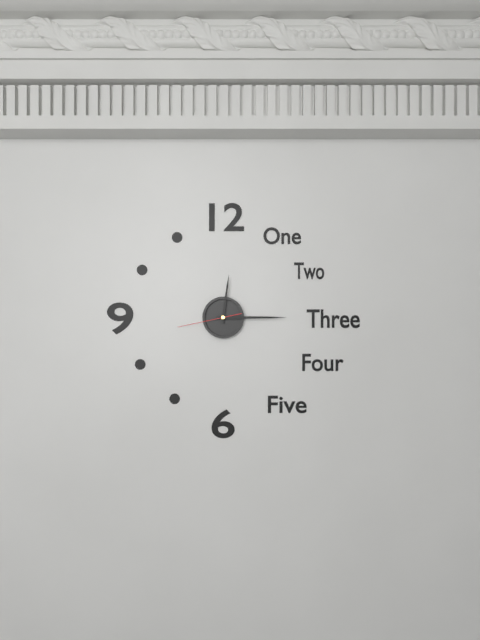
12:15:43
